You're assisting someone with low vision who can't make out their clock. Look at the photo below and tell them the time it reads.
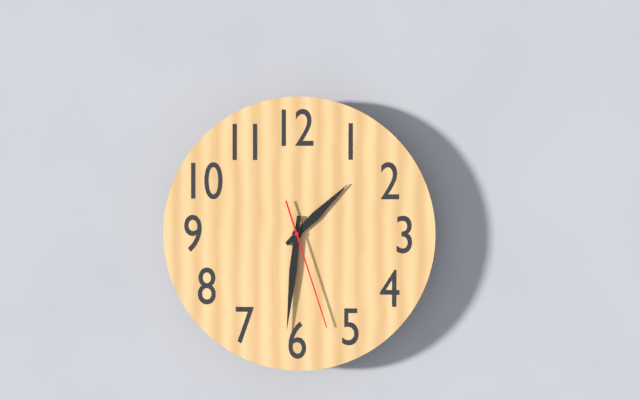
1:31:27
